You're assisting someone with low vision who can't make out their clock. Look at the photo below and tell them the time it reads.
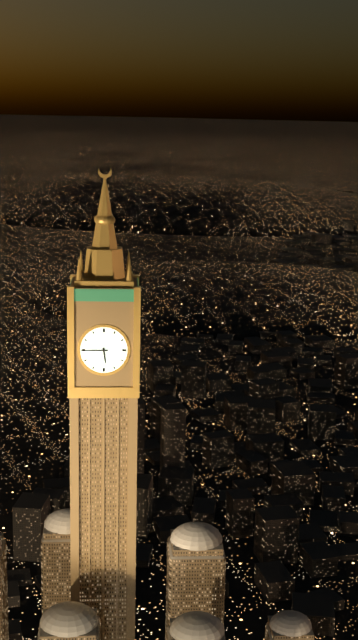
5:45
